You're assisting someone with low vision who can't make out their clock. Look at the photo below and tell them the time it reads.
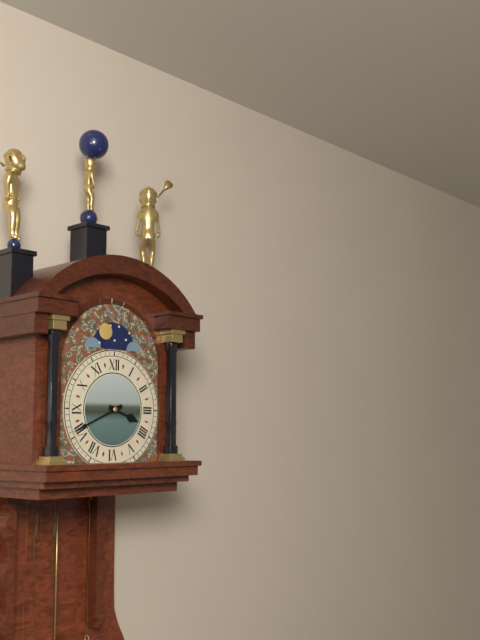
3:41
